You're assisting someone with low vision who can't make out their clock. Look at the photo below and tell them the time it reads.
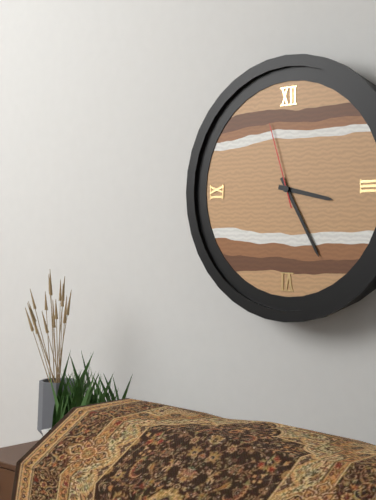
3:25:57
